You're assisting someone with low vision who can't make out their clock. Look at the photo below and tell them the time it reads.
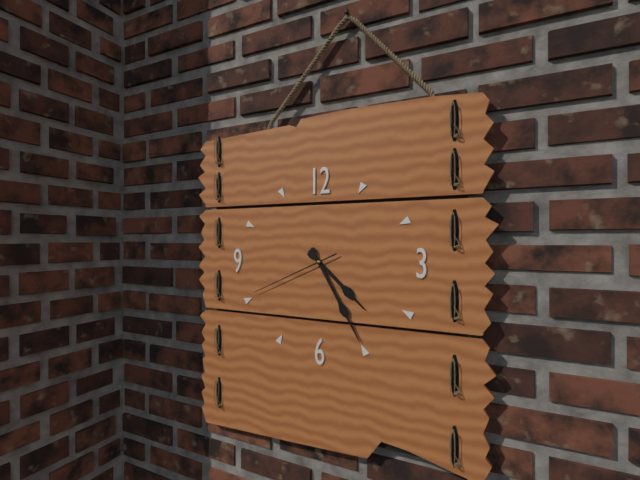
4:25:41
